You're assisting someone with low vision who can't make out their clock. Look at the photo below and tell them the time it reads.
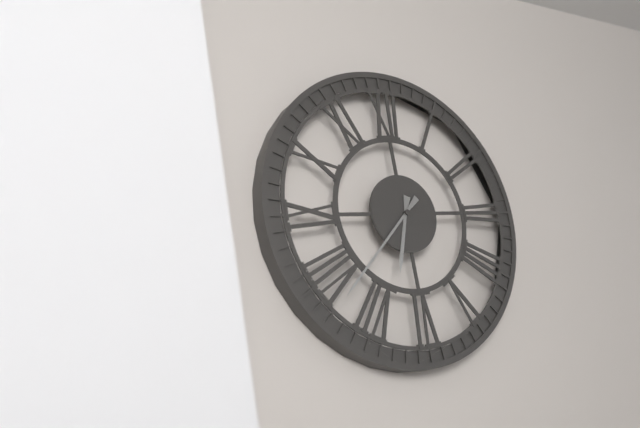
6:38
